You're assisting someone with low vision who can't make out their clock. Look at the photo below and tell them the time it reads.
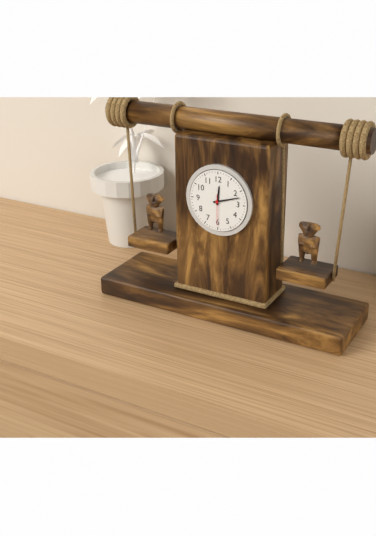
12:12
